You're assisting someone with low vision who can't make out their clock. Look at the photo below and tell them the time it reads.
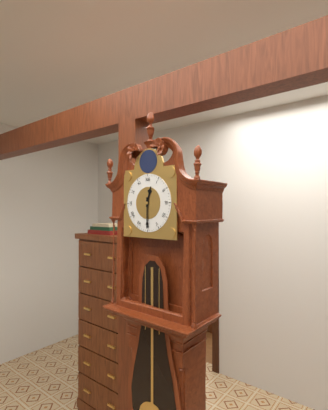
12:30
